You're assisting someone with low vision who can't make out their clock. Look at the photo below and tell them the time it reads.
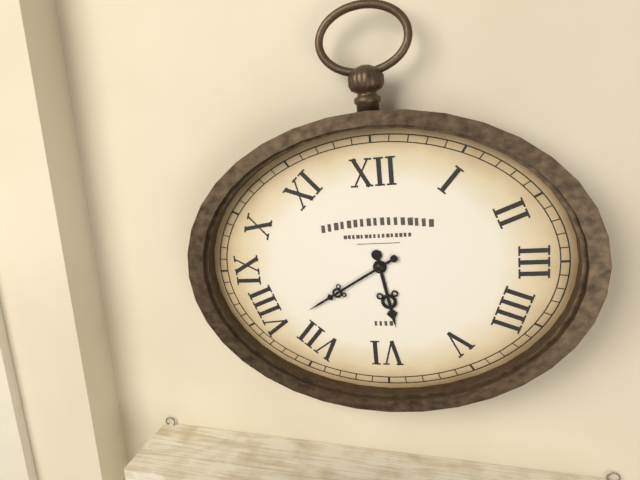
5:40
